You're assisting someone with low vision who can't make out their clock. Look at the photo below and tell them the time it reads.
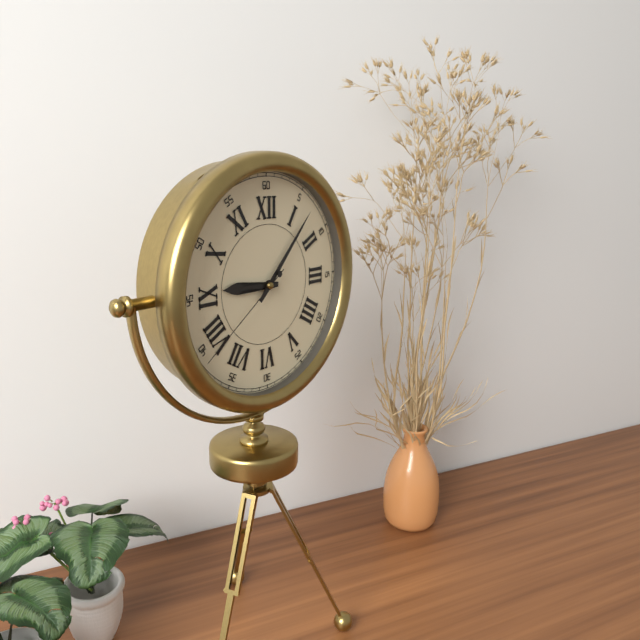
9:07:39
